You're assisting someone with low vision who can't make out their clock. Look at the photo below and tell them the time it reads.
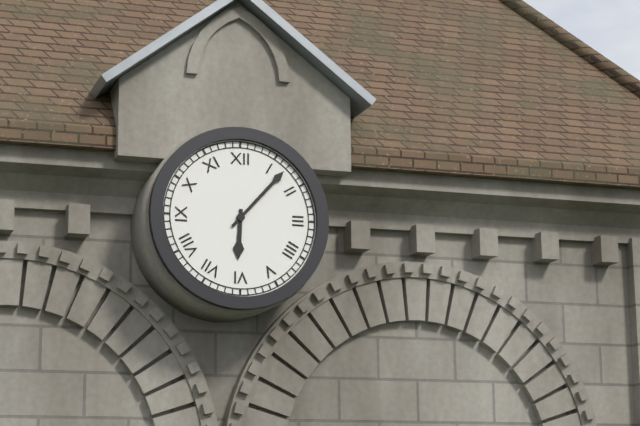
6:07
